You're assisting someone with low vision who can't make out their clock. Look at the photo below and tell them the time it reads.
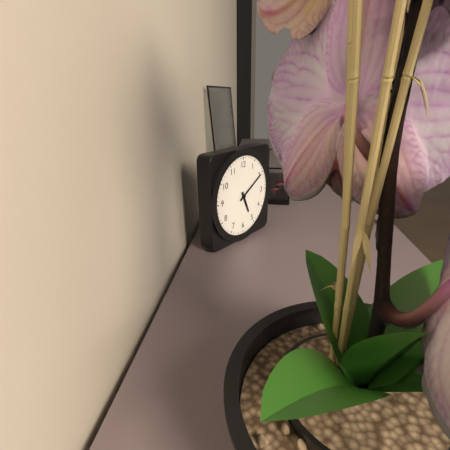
5:10
